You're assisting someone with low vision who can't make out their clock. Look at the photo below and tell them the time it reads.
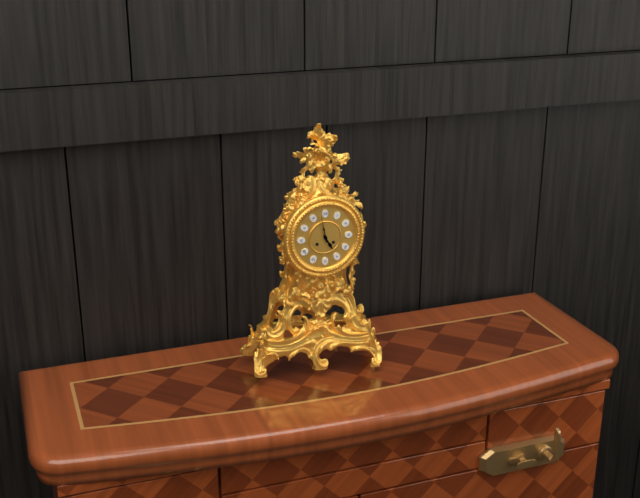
4:58
